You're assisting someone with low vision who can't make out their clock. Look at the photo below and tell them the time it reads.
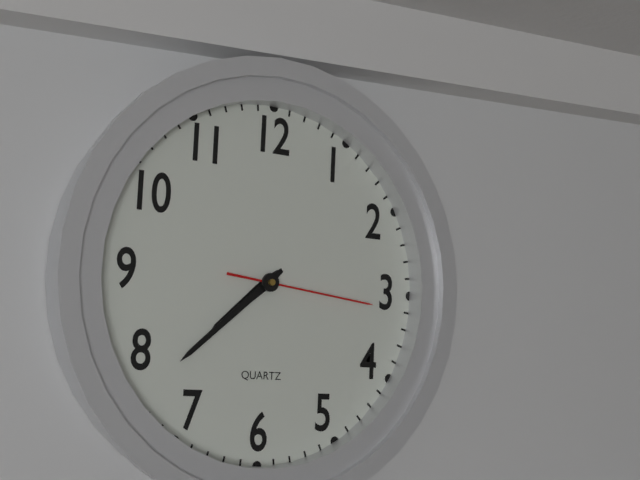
7:38:16
